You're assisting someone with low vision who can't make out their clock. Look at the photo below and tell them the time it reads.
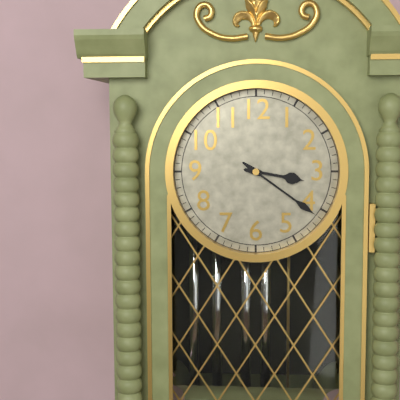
3:21
